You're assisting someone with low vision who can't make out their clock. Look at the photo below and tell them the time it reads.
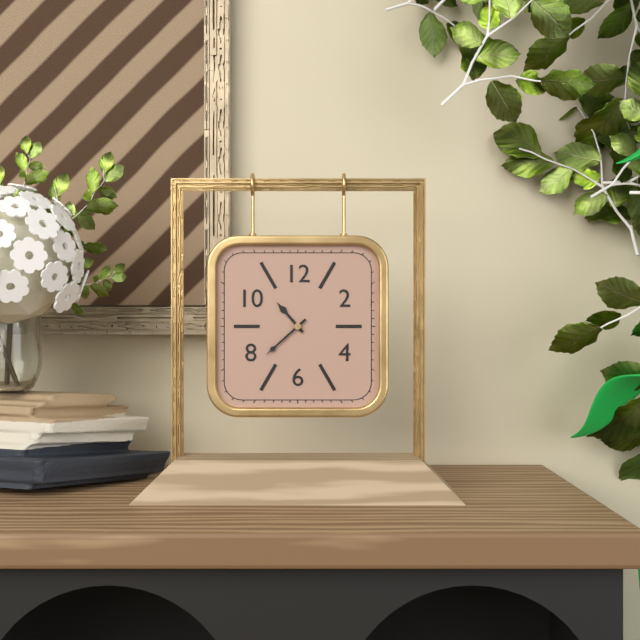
10:38
